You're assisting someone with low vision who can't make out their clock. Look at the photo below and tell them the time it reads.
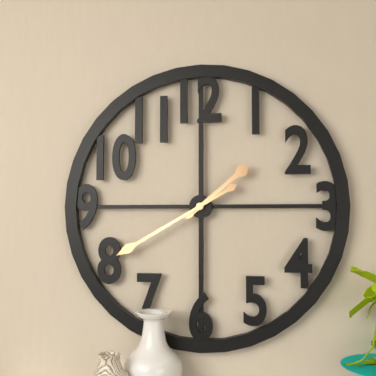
1:40
